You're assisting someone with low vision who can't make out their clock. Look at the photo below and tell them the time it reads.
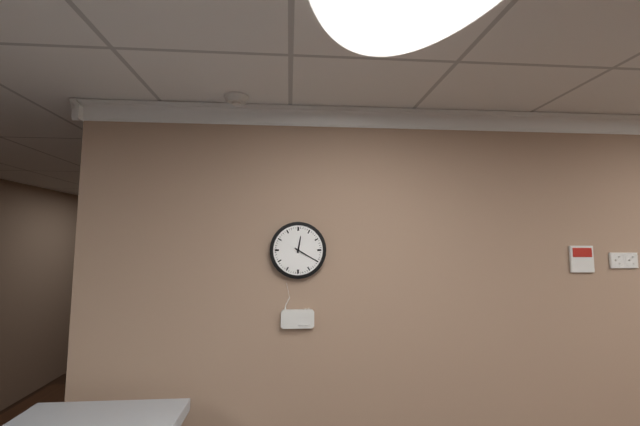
12:20
